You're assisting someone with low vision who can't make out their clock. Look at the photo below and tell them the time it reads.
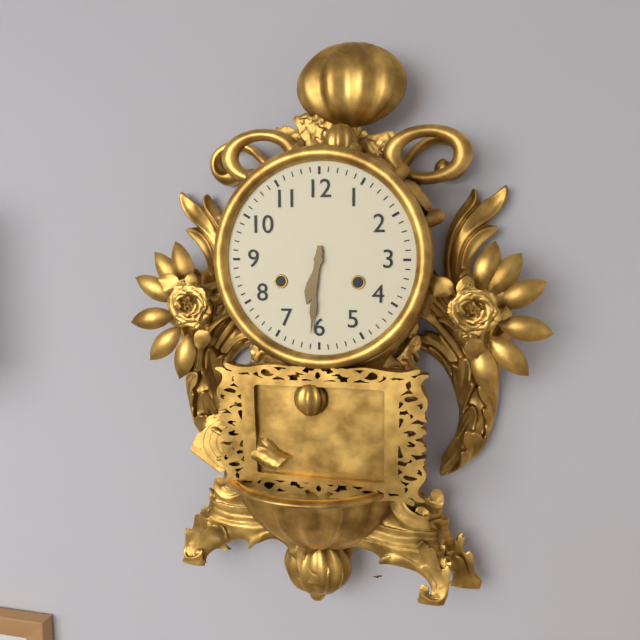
6:31
